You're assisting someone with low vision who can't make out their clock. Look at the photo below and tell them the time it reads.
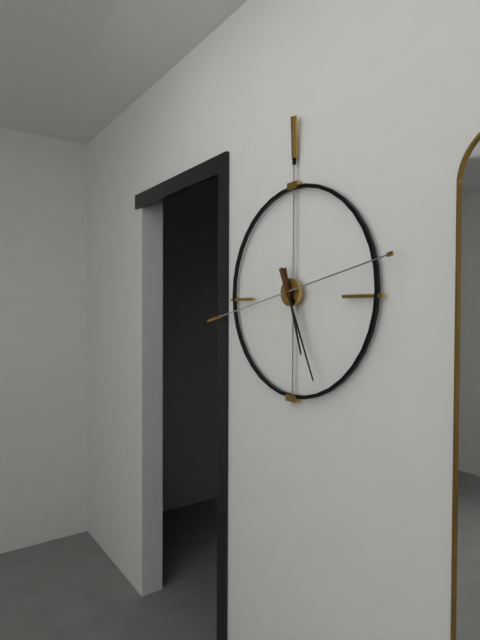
5:26:43
